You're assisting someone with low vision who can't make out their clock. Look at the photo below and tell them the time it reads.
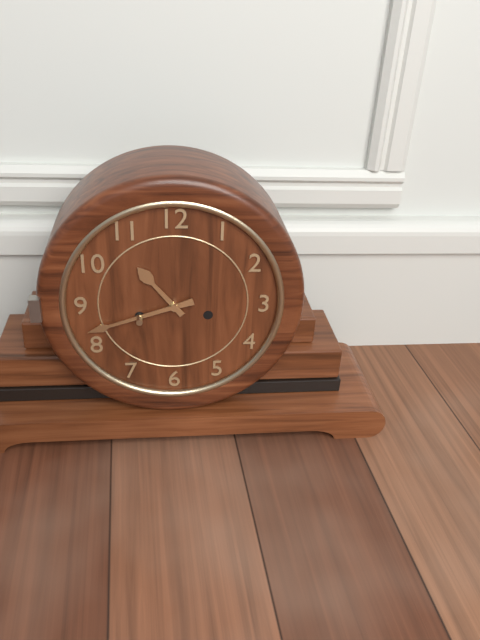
10:42
